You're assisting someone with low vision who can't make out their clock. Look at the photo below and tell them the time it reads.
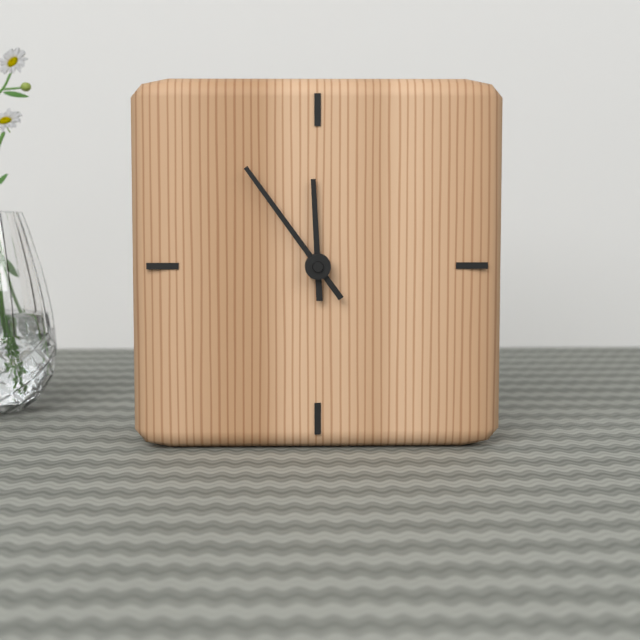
11:54
